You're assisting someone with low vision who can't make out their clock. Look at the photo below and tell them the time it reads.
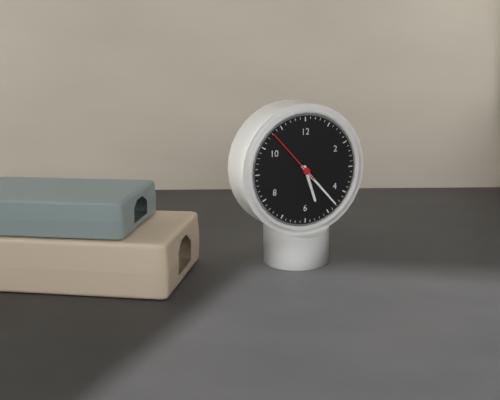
5:23:53
